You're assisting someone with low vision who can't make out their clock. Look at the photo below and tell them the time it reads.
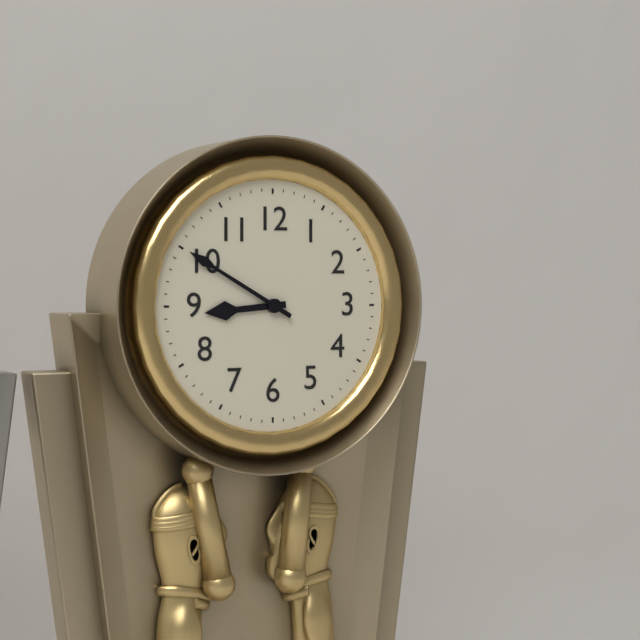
8:50
